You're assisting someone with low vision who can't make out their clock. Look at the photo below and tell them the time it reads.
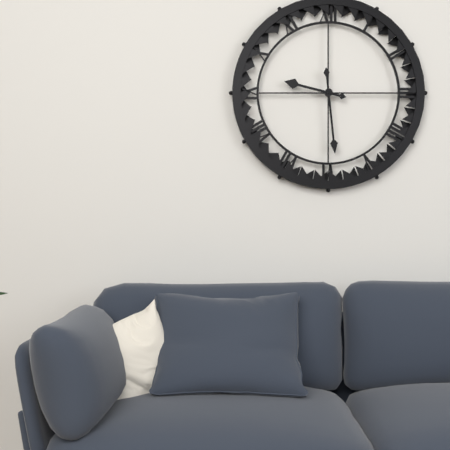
9:29
